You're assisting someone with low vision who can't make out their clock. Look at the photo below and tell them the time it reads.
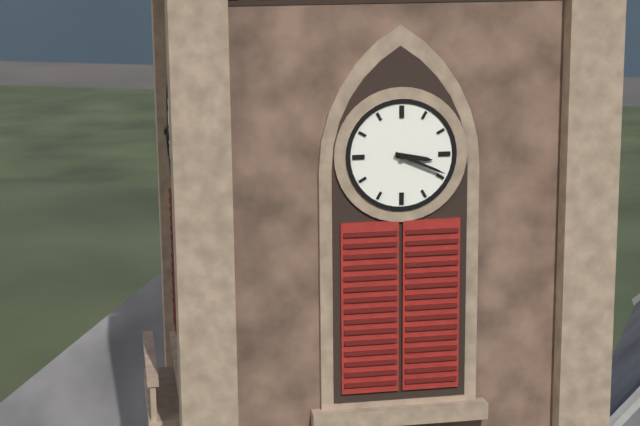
3:19
